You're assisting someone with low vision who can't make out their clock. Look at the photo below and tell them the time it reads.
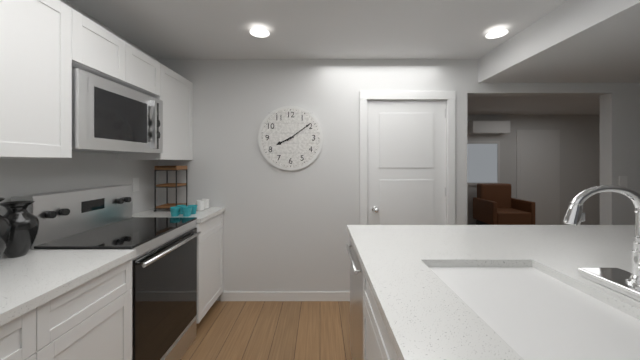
8:09
